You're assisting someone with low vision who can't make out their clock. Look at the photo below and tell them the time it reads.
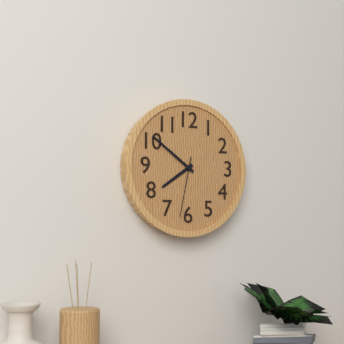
7:51:32
